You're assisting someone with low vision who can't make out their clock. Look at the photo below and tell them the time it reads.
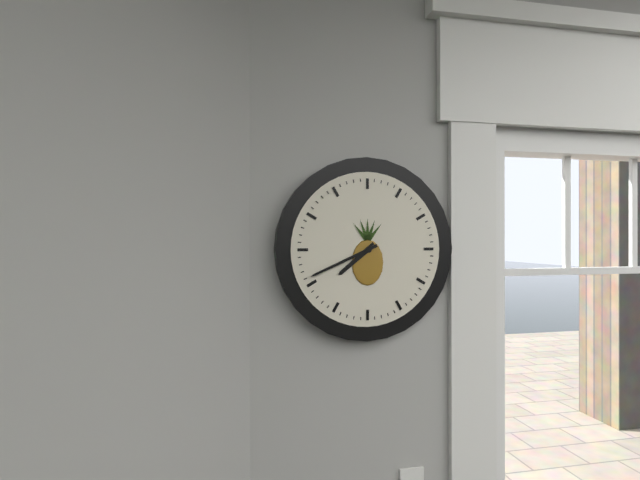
7:41
